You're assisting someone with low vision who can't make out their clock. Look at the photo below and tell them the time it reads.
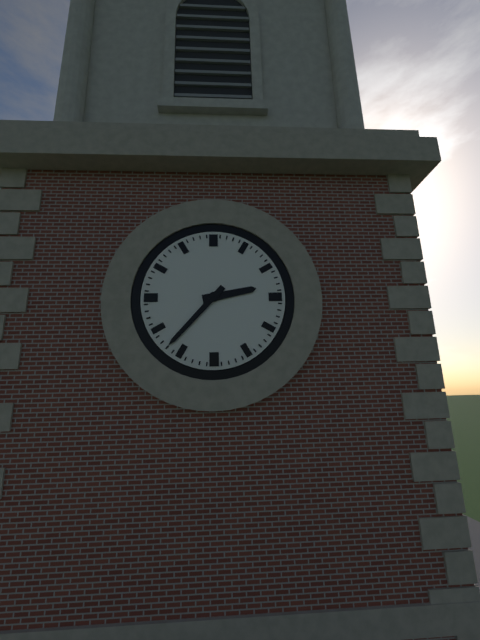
2:37
